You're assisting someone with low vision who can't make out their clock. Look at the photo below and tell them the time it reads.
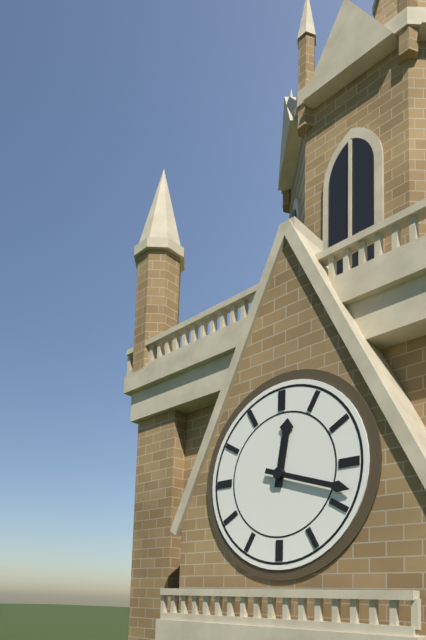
12:18
